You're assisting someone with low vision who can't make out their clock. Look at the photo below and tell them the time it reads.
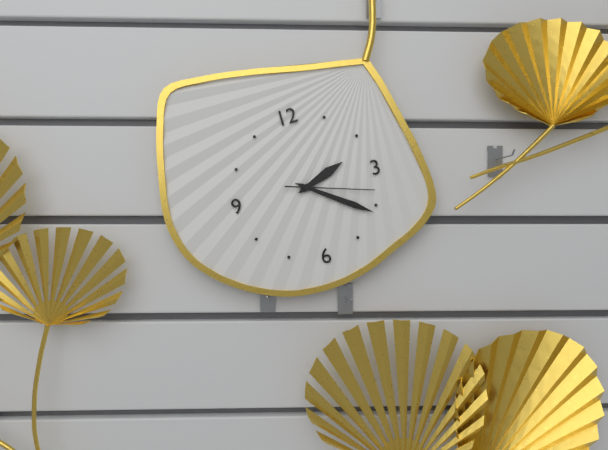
2:21:18
